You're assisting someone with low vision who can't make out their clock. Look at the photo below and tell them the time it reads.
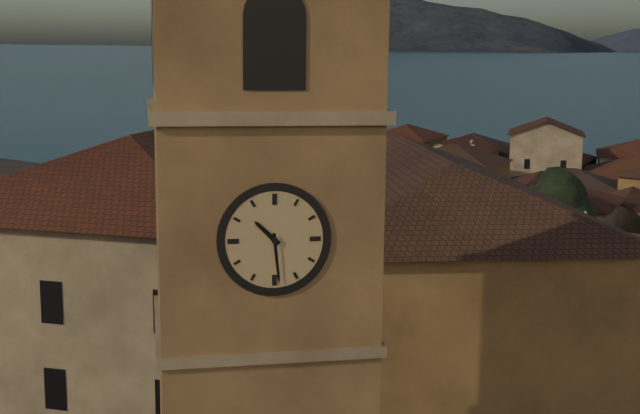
10:29
